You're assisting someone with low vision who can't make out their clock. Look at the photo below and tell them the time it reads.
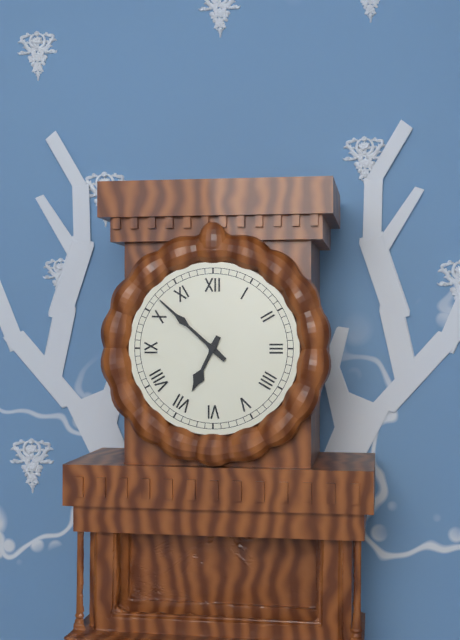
6:52
